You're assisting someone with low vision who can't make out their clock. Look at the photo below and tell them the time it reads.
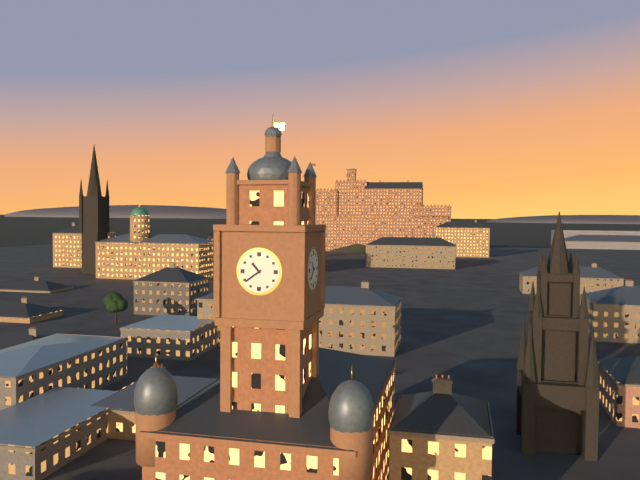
10:39
